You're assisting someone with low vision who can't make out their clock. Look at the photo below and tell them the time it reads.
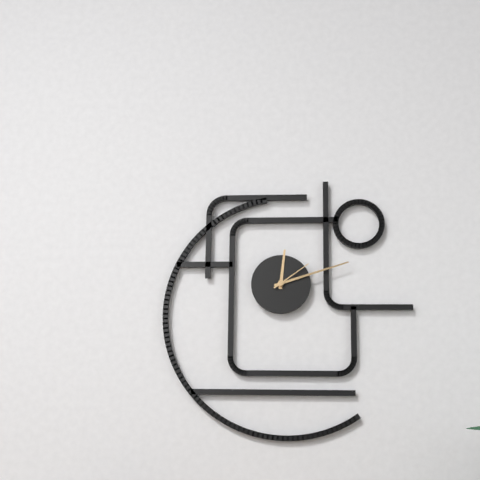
12:12
